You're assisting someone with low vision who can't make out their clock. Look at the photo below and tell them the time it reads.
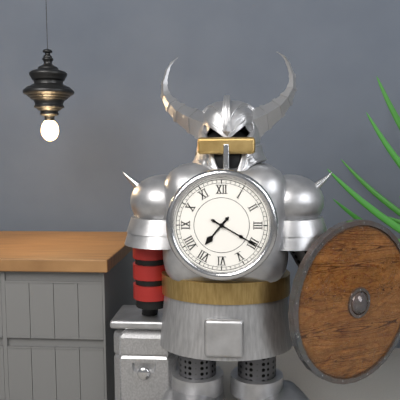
7:20
